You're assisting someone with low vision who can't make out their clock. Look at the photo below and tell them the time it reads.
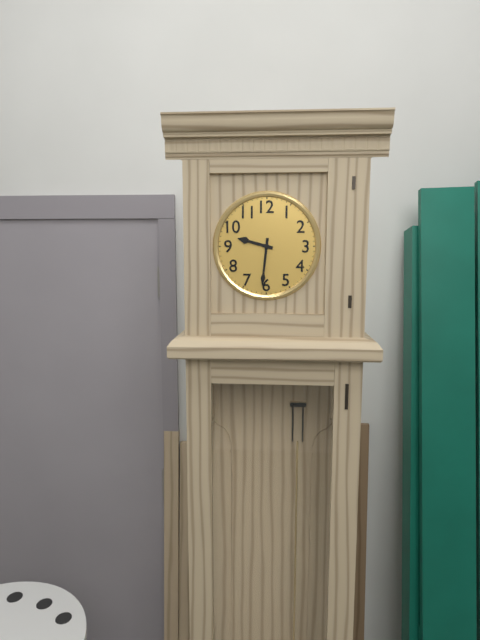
9:31
